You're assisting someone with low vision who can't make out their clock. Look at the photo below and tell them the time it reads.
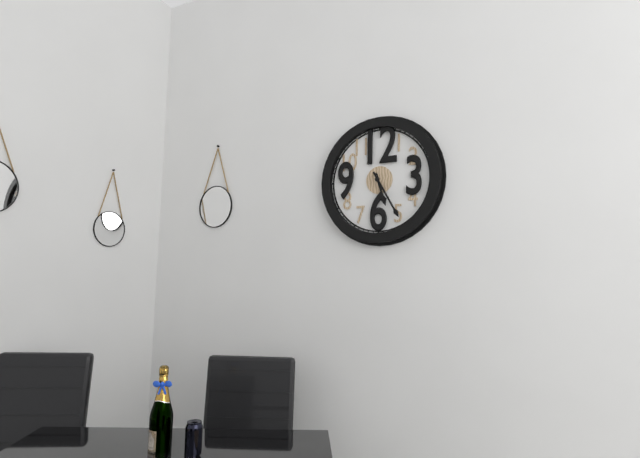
5:25
